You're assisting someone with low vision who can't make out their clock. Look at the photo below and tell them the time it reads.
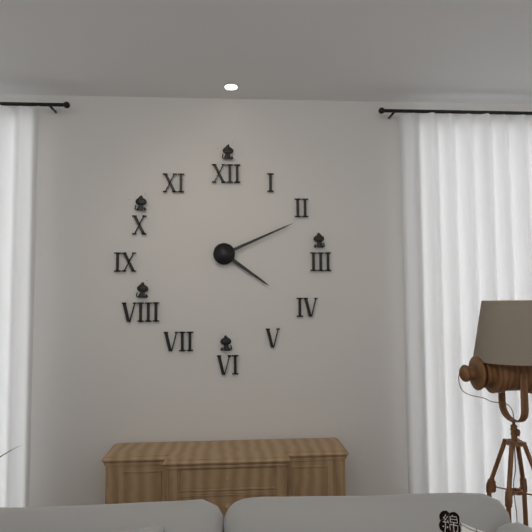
4:11
